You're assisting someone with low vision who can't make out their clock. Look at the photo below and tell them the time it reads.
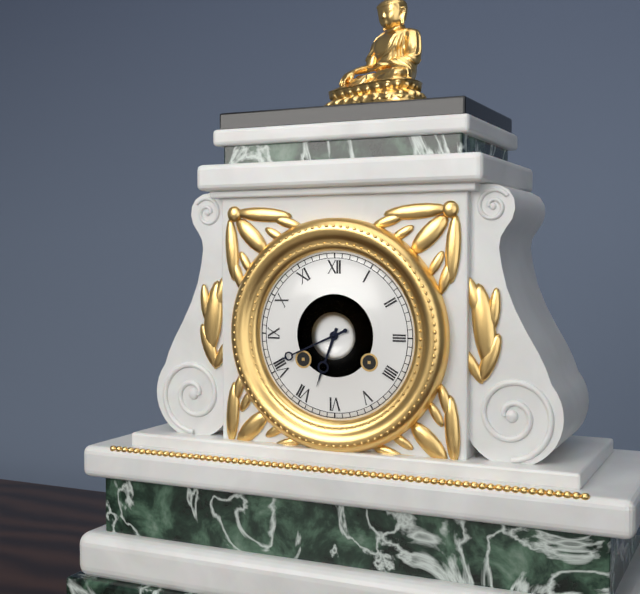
6:41
